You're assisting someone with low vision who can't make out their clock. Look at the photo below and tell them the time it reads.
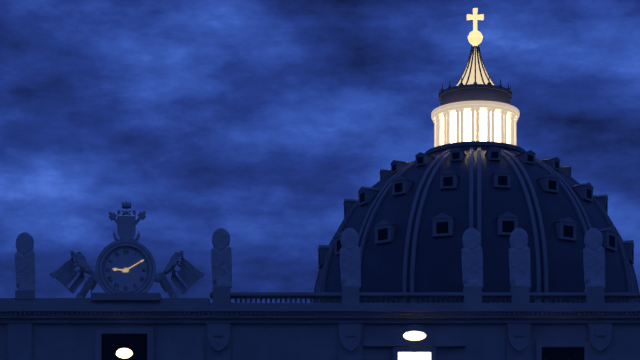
9:10
